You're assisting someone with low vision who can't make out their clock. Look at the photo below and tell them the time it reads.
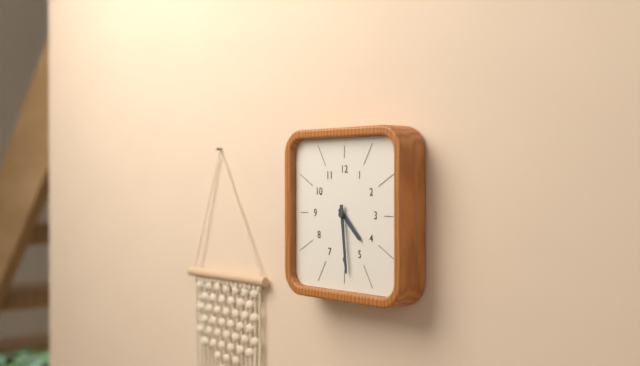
4:29
